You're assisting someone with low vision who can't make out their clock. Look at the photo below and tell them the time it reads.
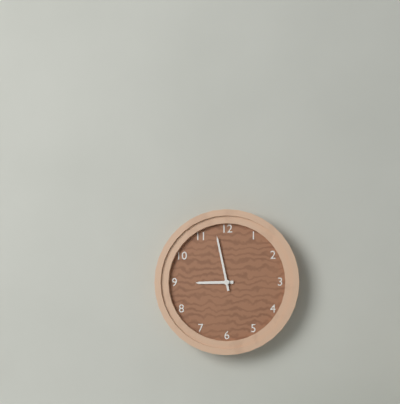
8:58
